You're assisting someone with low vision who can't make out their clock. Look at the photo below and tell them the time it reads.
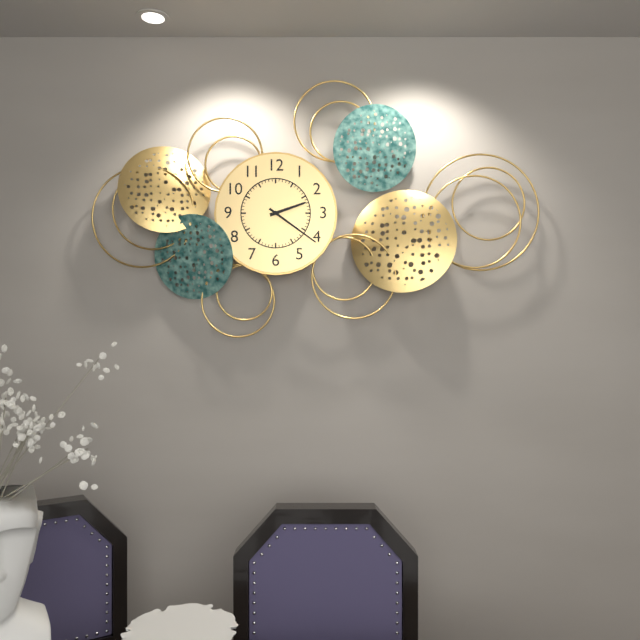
2:21
